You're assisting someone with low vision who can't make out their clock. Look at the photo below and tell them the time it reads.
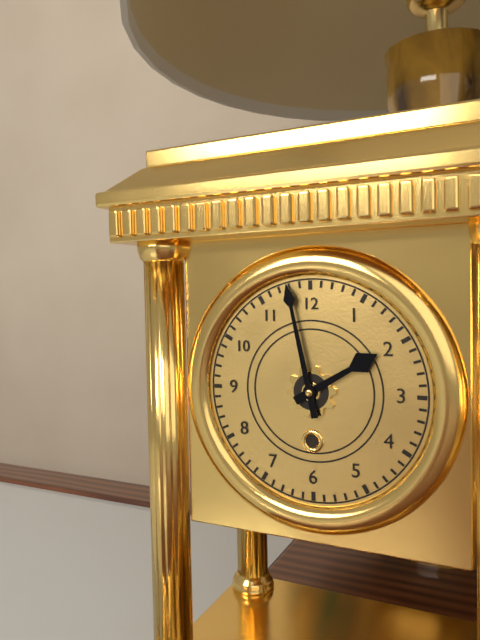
1:58
